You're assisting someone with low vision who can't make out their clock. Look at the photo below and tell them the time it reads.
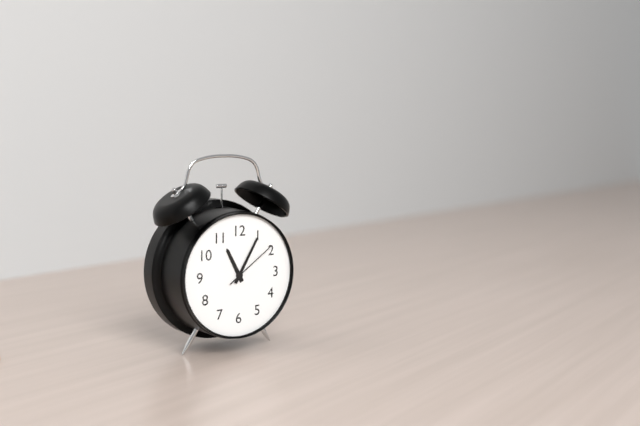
11:05:09
